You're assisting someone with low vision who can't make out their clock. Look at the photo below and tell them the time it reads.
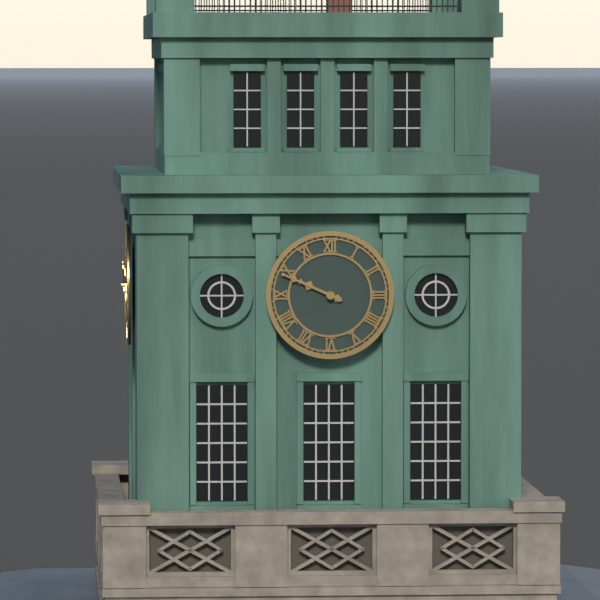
9:49
